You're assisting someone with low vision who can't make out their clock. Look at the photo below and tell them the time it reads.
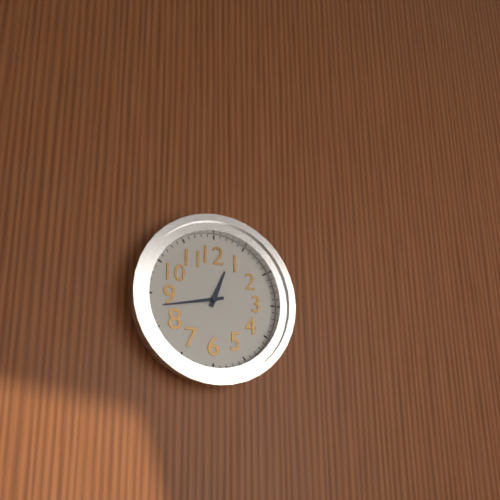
12:43
